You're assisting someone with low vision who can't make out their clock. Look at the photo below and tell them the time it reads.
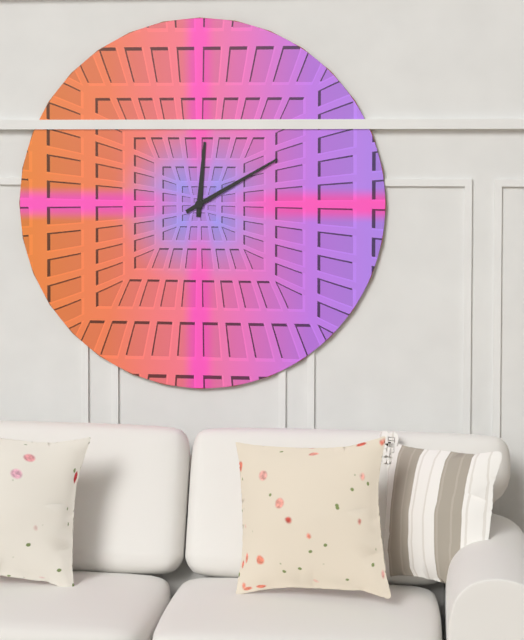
12:10
